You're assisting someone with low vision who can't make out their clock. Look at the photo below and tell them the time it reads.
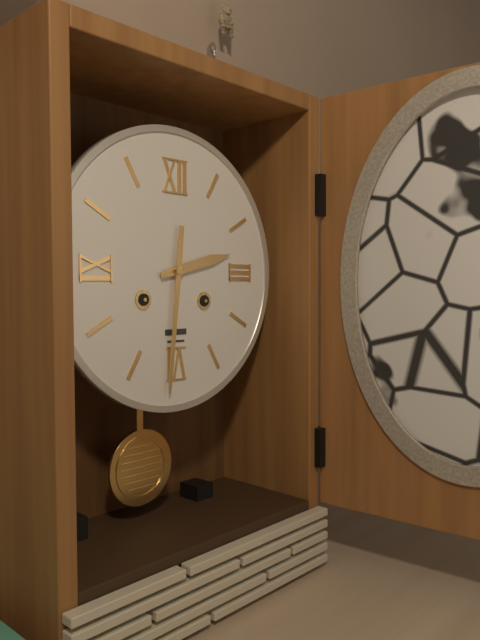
2:31
